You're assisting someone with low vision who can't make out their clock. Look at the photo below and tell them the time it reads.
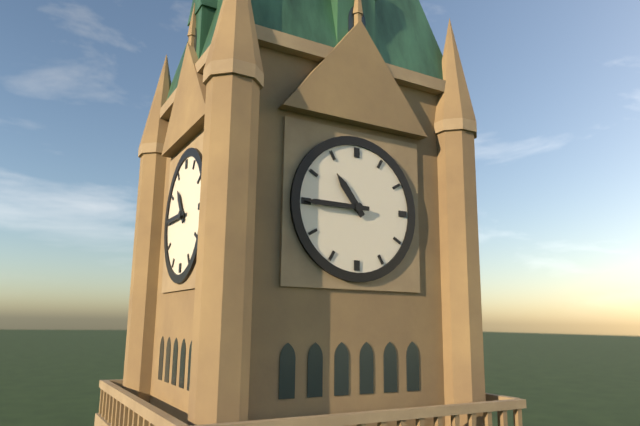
10:45
